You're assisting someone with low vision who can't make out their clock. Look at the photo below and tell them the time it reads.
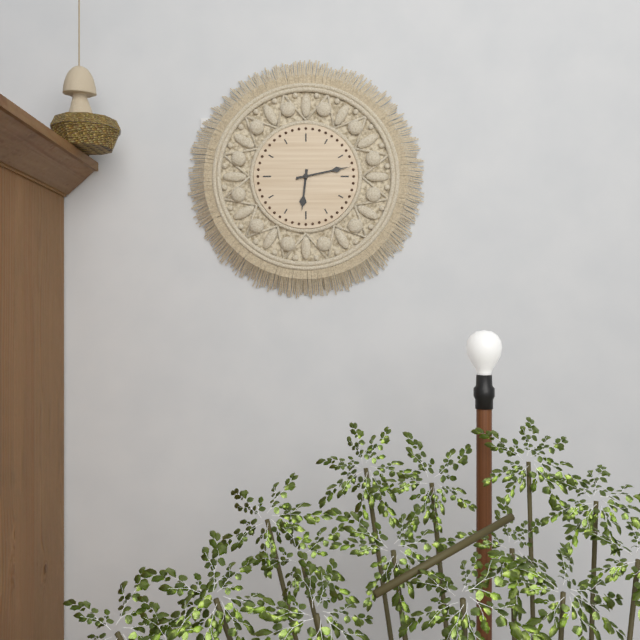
6:13
